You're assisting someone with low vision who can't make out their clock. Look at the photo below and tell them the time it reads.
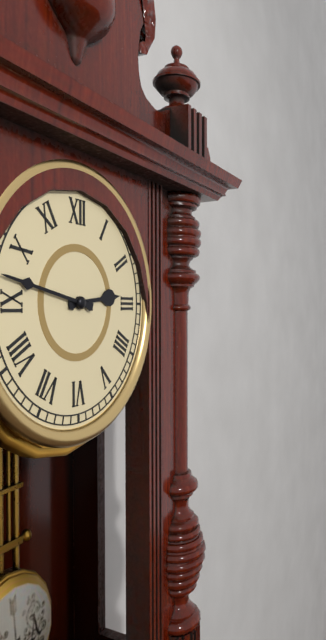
2:47
